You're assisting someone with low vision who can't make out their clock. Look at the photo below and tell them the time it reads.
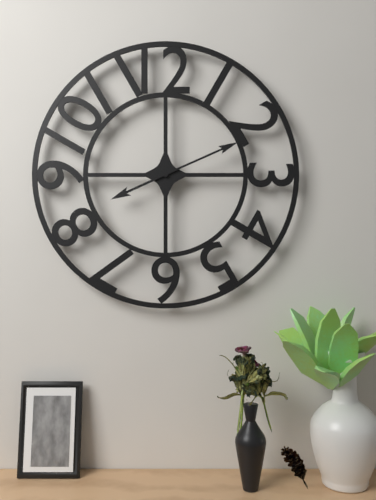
8:11
